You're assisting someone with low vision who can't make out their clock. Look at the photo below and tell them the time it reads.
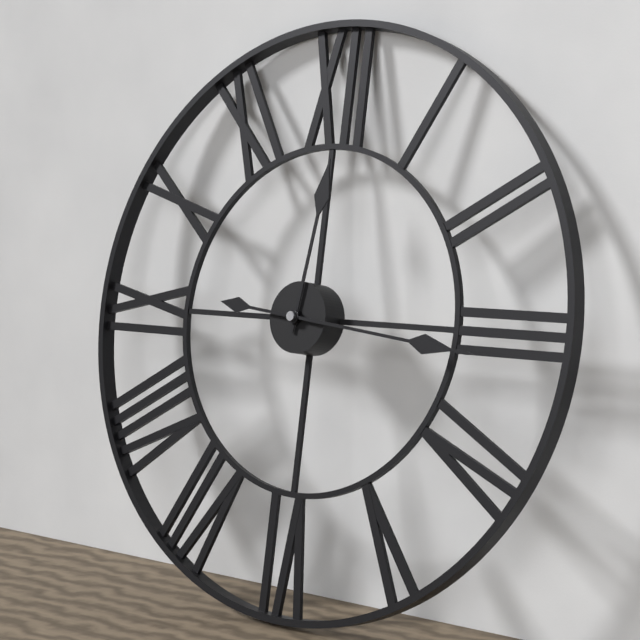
12:16
